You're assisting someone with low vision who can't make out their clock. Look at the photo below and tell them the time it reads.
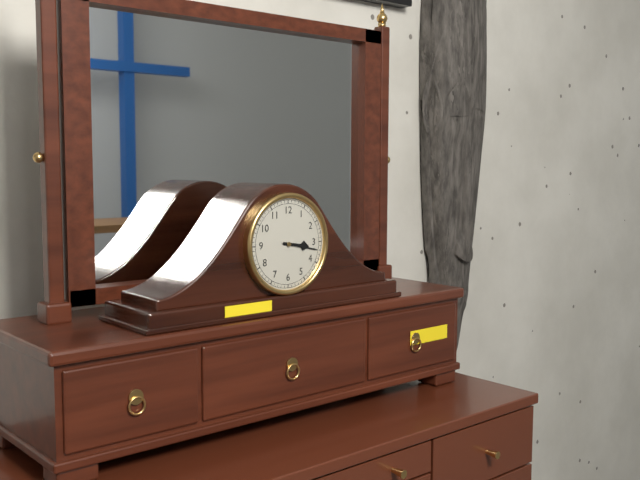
3:17
